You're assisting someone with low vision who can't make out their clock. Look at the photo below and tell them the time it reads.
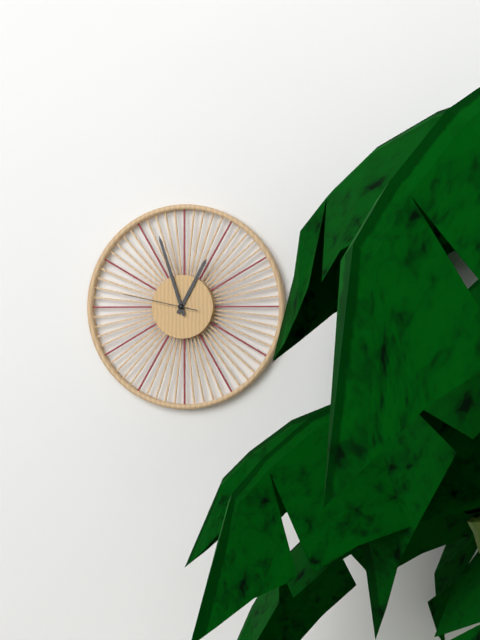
12:57:47
